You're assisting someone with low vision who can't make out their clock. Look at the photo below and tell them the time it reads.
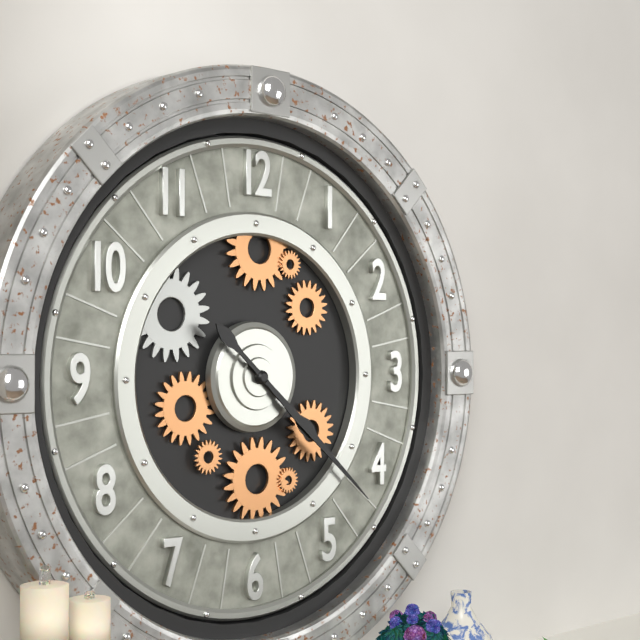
4:22
